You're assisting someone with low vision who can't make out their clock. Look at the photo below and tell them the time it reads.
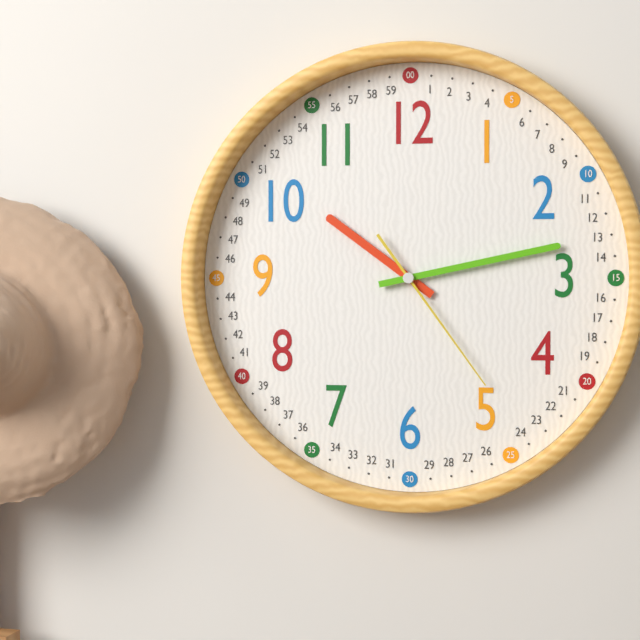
10:13:24
